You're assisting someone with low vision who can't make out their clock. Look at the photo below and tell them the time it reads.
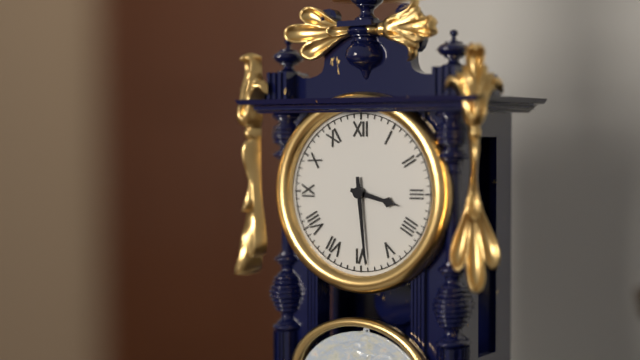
3:29
